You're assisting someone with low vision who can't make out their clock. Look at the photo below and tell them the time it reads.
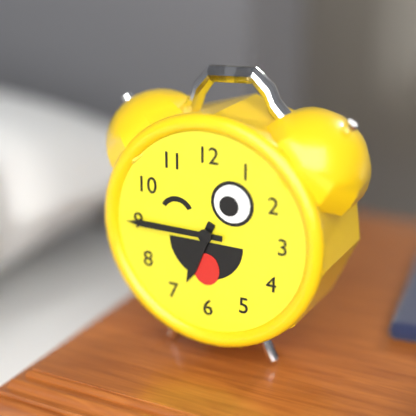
6:45
